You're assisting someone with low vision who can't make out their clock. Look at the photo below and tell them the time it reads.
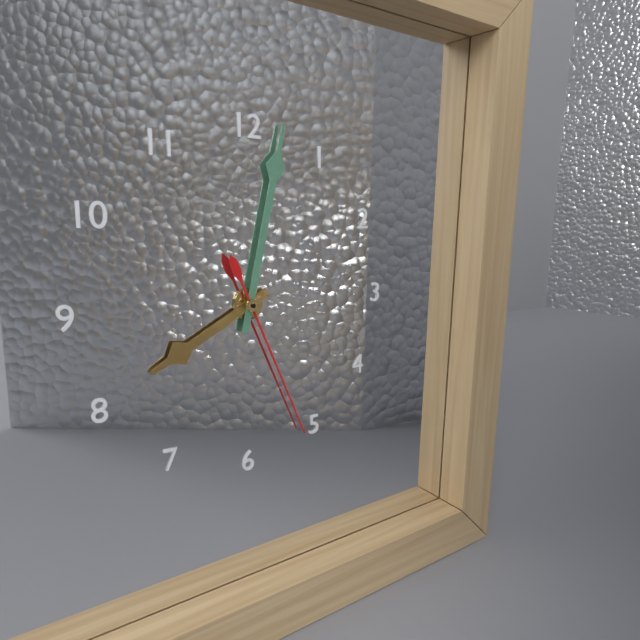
8:02:26
